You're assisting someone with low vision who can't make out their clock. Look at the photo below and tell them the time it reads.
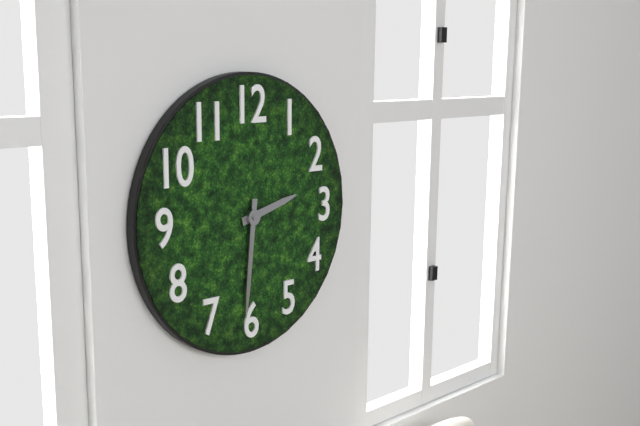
2:31
